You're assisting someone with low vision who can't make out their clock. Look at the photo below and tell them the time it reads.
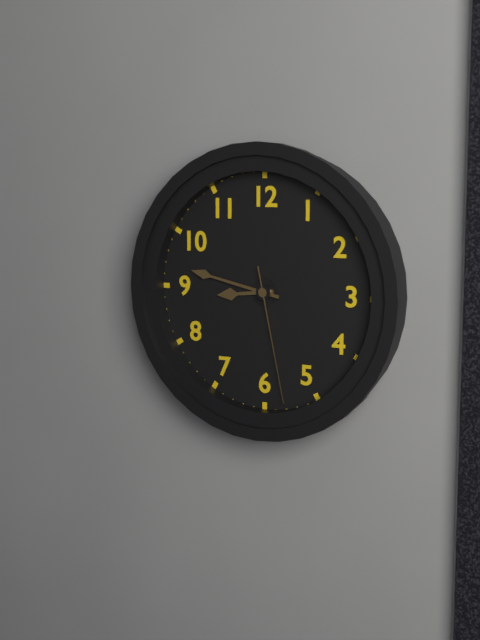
8:47:28
